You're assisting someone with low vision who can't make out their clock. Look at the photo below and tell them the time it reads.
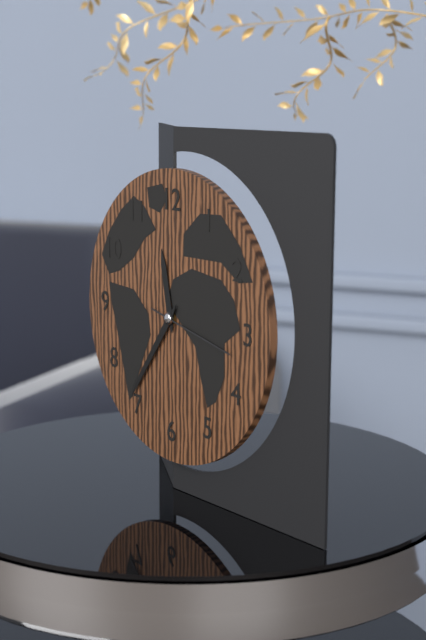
11:36:17
